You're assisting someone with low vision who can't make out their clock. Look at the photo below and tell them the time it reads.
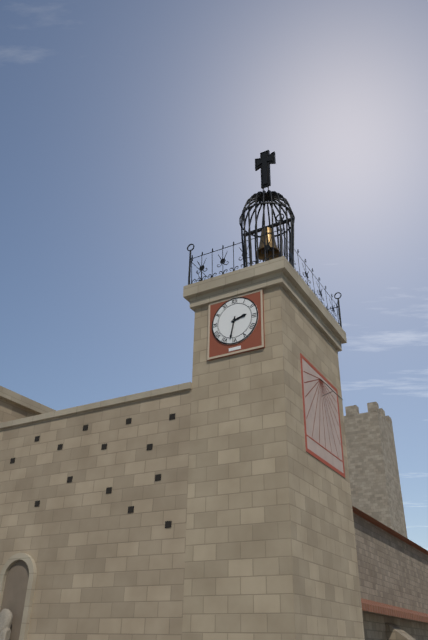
2:32
